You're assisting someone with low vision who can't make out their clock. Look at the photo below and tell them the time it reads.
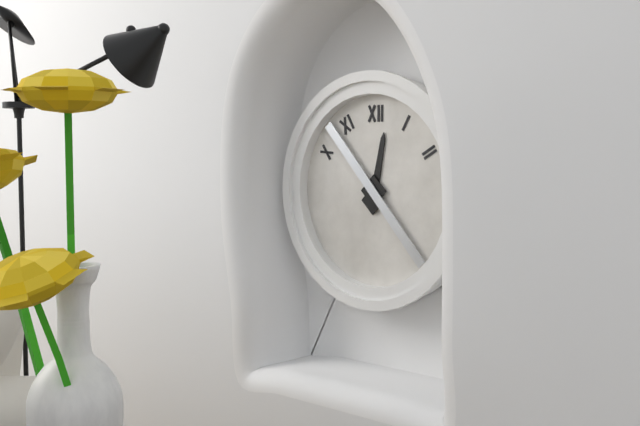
12:23
